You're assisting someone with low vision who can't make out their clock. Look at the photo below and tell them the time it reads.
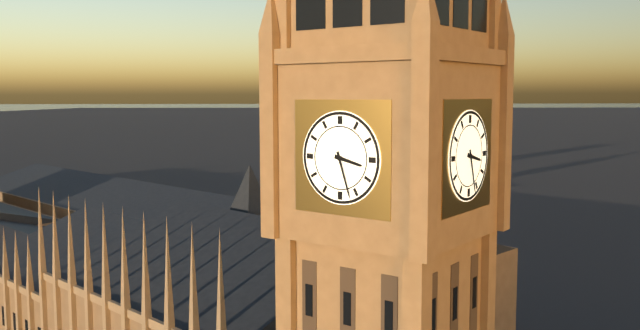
3:27
